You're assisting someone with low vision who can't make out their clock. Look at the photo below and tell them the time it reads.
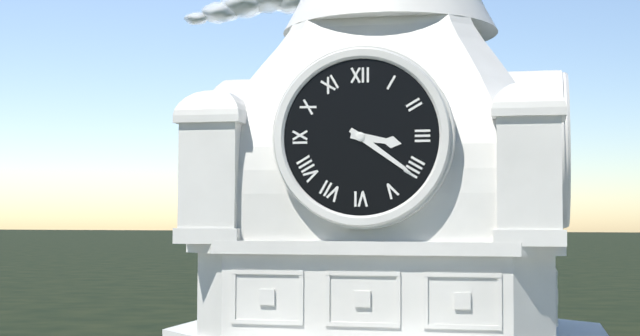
3:21
